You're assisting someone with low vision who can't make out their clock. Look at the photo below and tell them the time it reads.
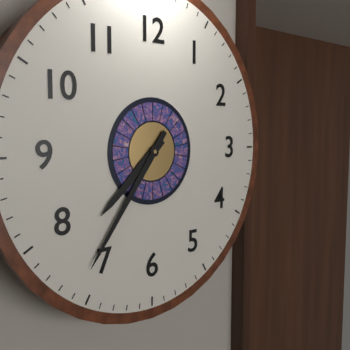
7:36
